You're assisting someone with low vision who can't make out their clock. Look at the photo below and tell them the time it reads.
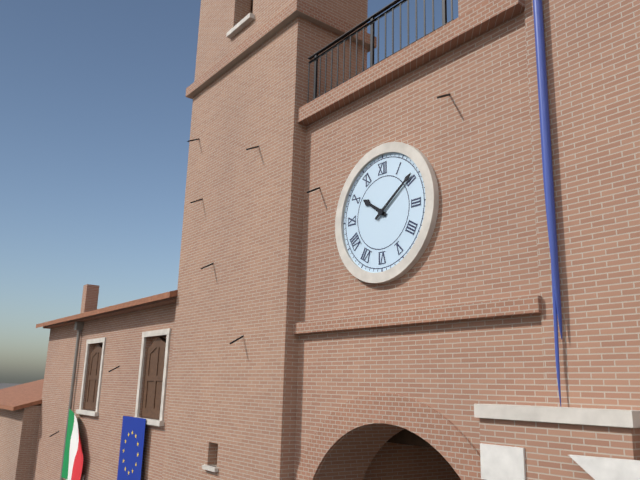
10:09
